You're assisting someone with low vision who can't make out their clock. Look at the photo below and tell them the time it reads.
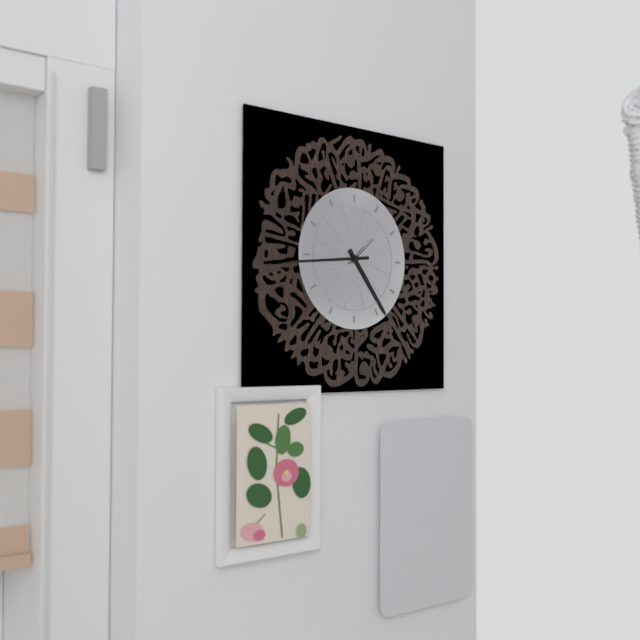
4:44
